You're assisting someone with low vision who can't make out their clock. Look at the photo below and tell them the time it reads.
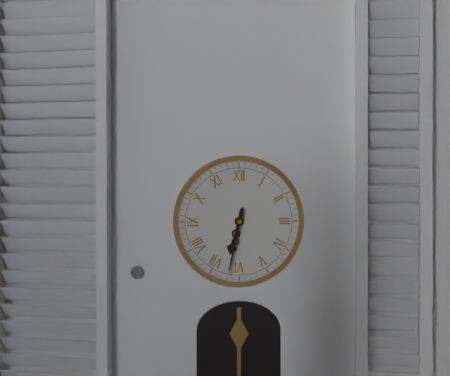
6:32
